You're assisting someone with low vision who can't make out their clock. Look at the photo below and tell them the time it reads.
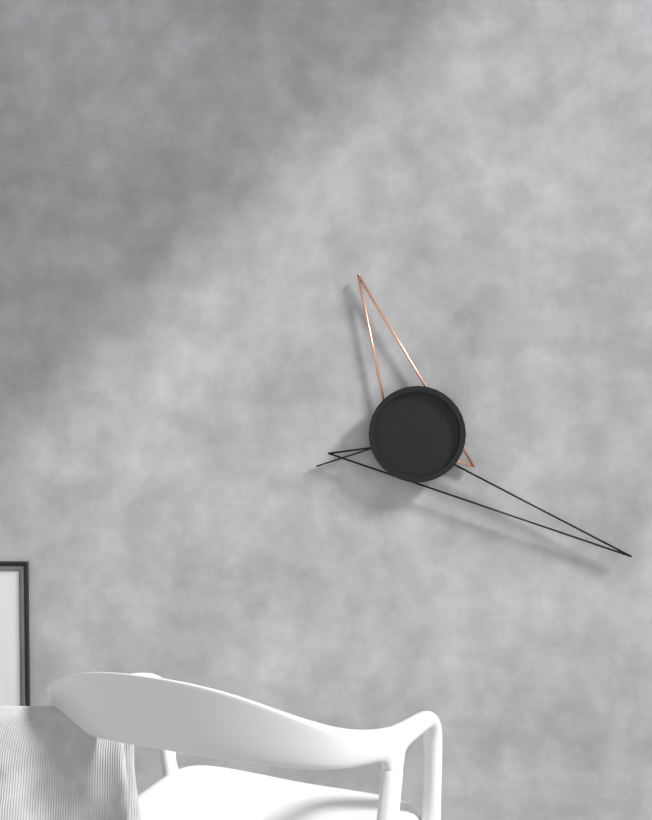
11:20:42
